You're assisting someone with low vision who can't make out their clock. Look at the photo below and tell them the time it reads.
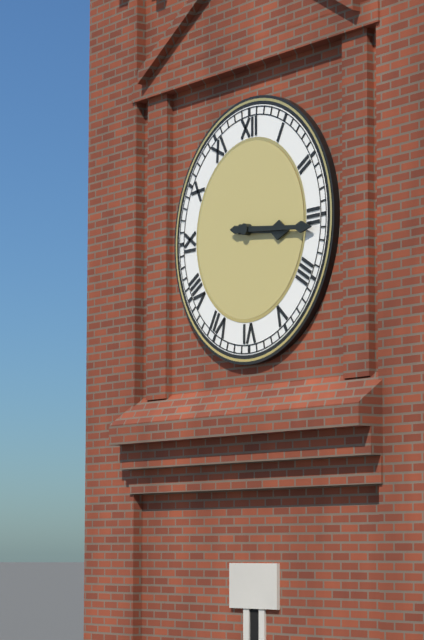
3:16
